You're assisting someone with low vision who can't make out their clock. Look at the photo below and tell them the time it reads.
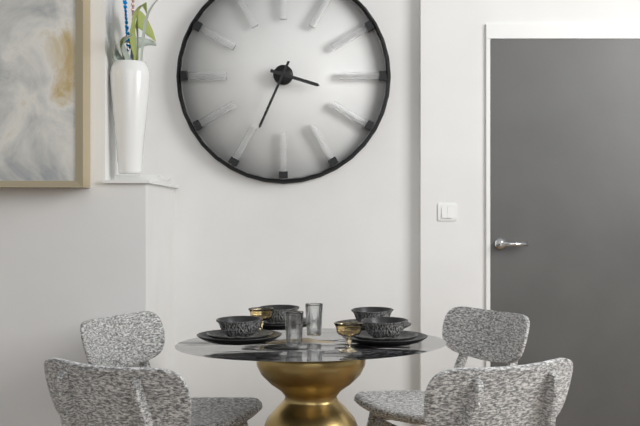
3:34
